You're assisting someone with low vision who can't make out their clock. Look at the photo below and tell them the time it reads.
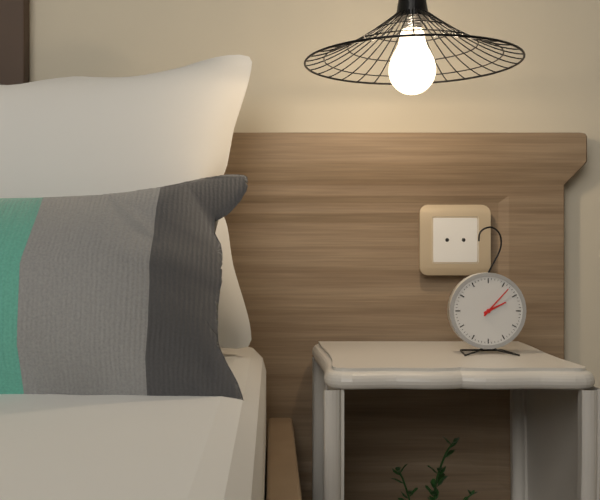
2:07
